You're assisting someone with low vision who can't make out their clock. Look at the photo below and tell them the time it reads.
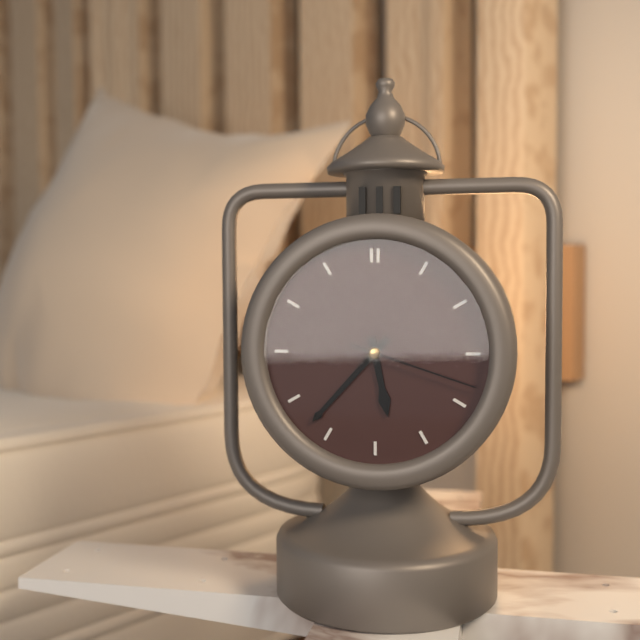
5:37:18
